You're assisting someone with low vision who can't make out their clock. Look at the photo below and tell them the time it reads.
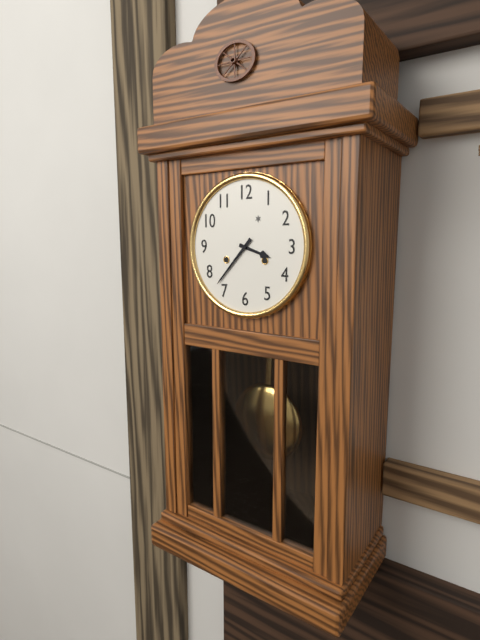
3:37
